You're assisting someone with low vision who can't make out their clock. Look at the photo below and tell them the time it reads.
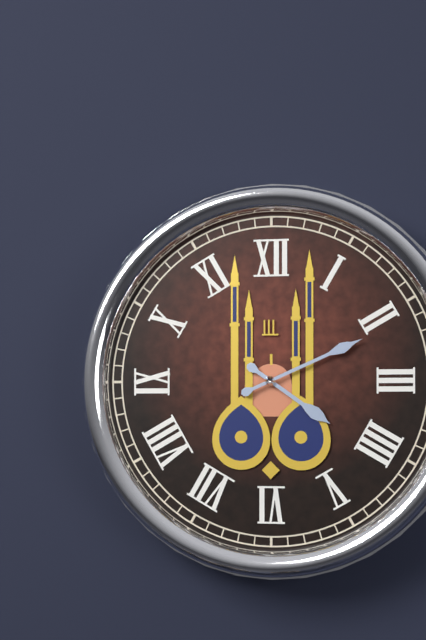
4:11
